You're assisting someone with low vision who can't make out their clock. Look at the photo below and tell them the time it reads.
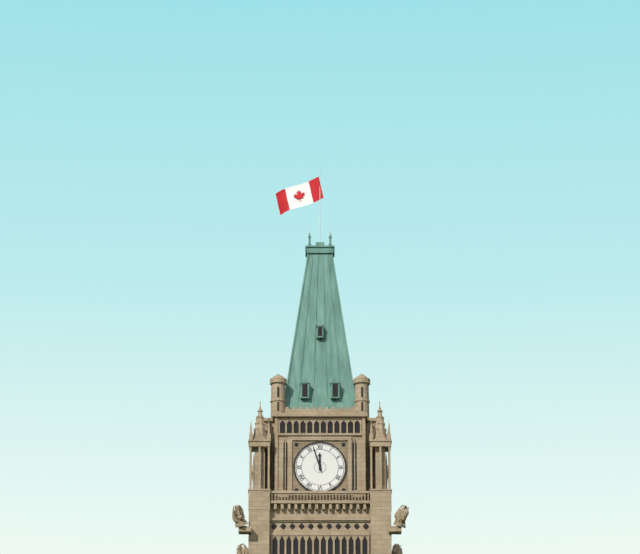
11:57
